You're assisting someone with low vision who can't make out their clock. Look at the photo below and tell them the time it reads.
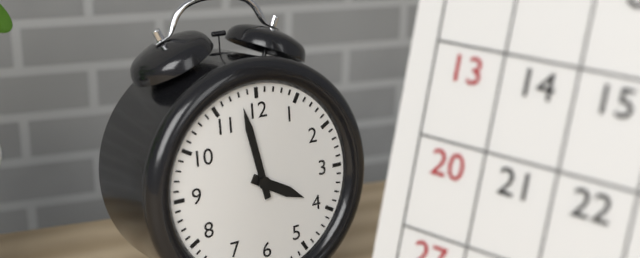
3:58
